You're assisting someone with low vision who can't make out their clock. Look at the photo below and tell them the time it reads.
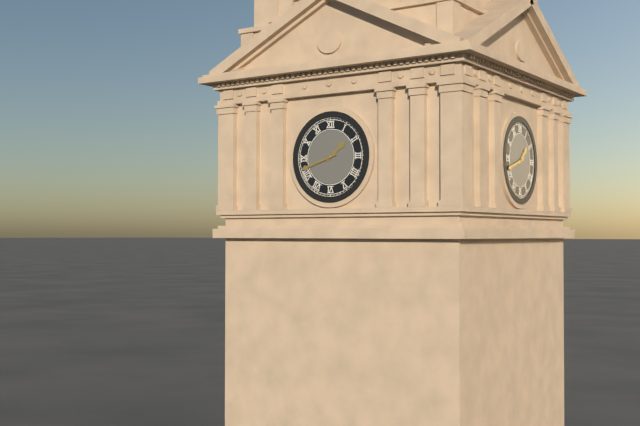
1:42
